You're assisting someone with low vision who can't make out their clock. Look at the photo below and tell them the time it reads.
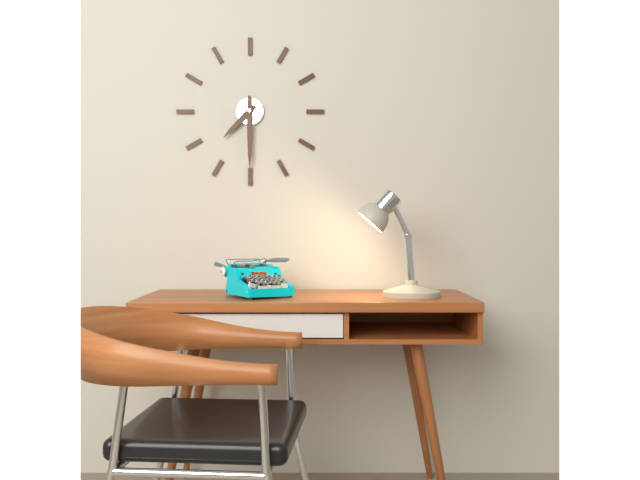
7:30
